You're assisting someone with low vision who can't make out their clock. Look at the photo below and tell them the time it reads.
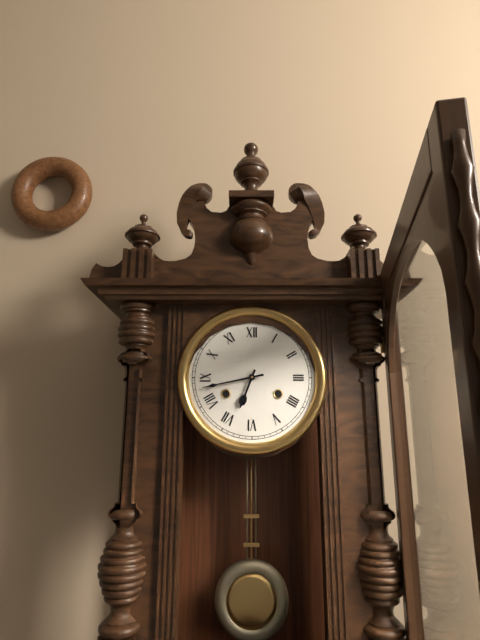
6:43
